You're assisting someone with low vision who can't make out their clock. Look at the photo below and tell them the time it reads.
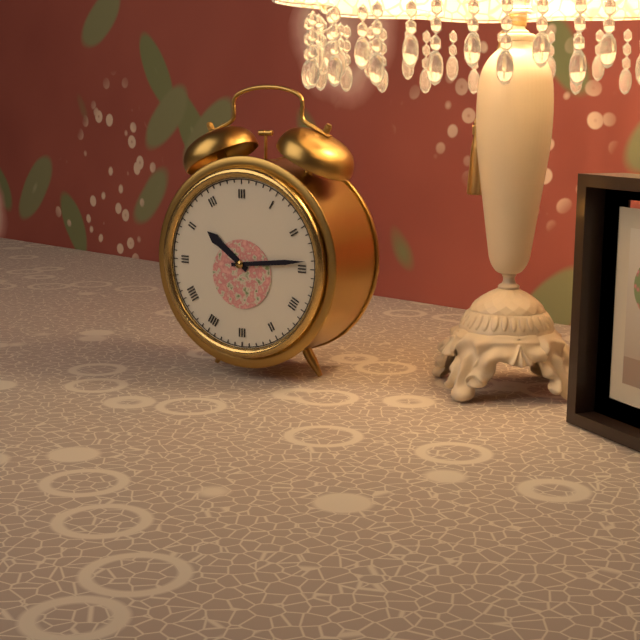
10:14
